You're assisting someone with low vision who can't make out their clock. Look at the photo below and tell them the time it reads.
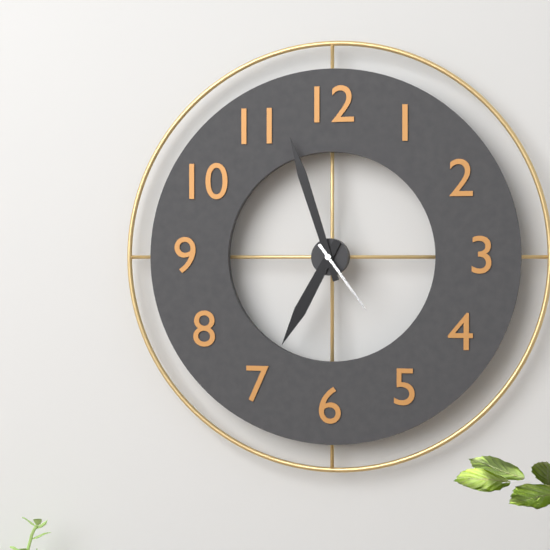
6:57:24
